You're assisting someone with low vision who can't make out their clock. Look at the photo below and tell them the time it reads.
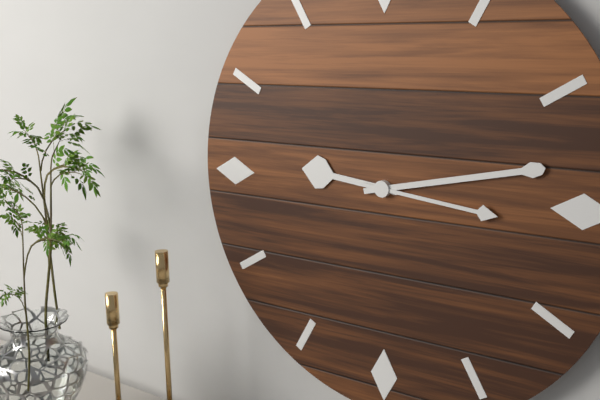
9:13:16
